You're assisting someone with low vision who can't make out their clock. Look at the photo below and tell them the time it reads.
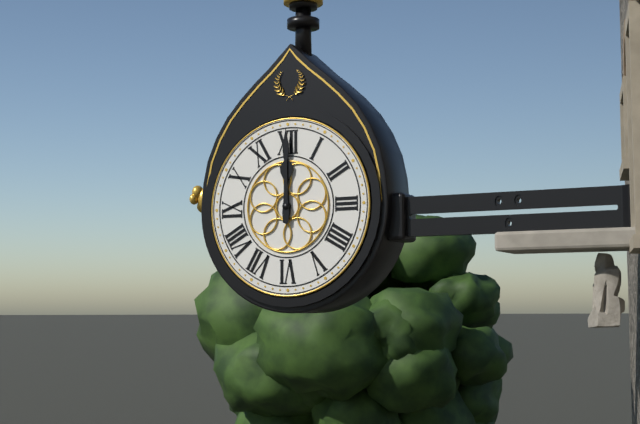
12:00
